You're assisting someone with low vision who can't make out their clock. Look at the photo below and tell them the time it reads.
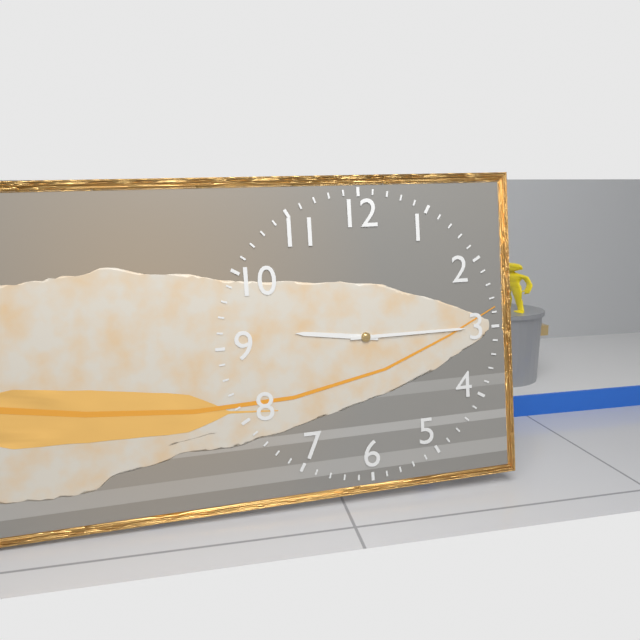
9:15
